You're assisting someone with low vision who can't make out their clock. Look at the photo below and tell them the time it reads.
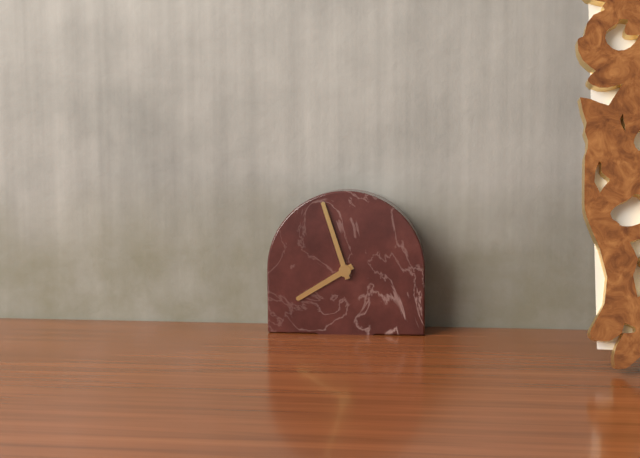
7:57
